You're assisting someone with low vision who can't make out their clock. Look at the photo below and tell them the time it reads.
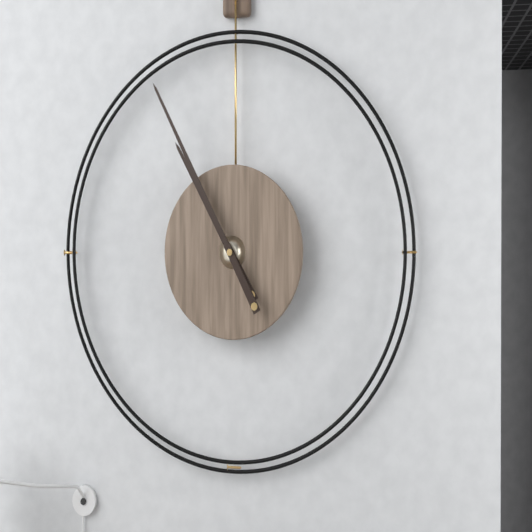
10:55
